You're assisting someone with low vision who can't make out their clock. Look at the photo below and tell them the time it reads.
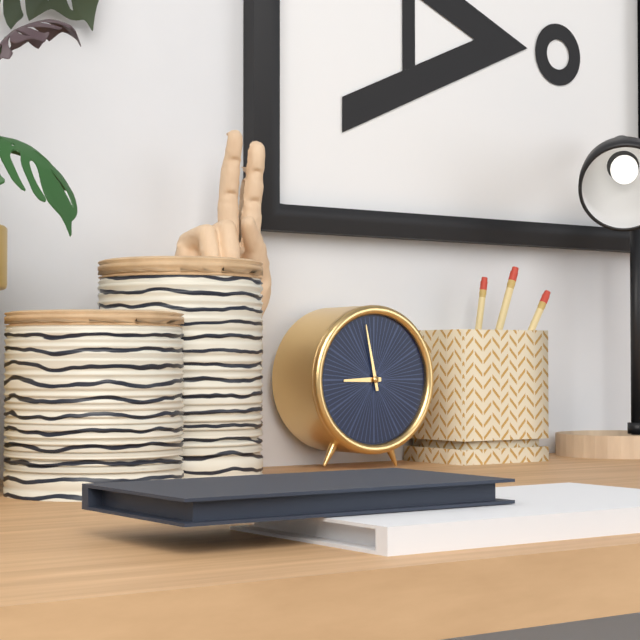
8:58
